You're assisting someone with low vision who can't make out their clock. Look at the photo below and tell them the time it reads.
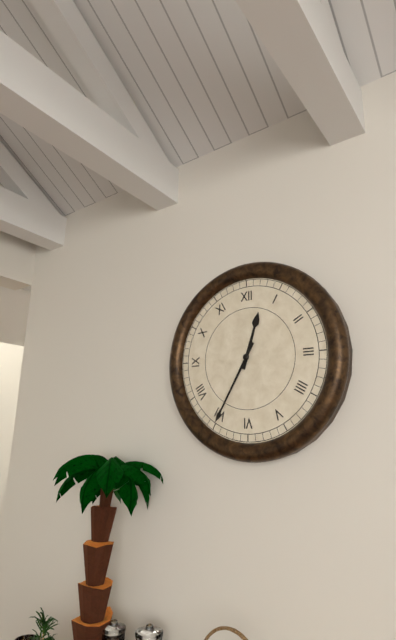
12:35
